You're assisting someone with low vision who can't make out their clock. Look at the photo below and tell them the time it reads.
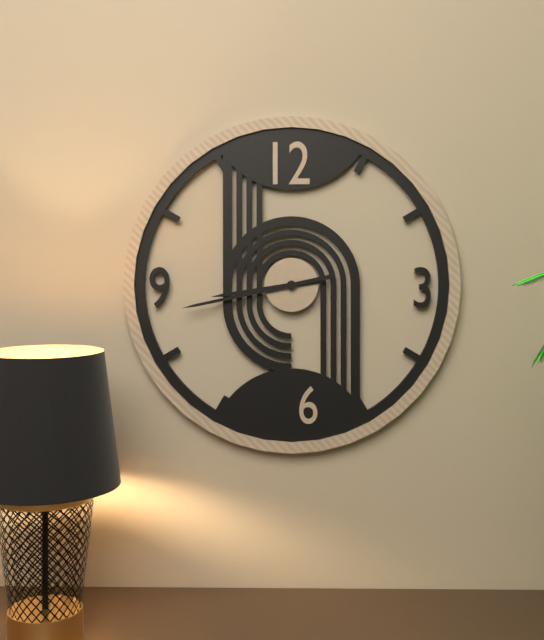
8:43
